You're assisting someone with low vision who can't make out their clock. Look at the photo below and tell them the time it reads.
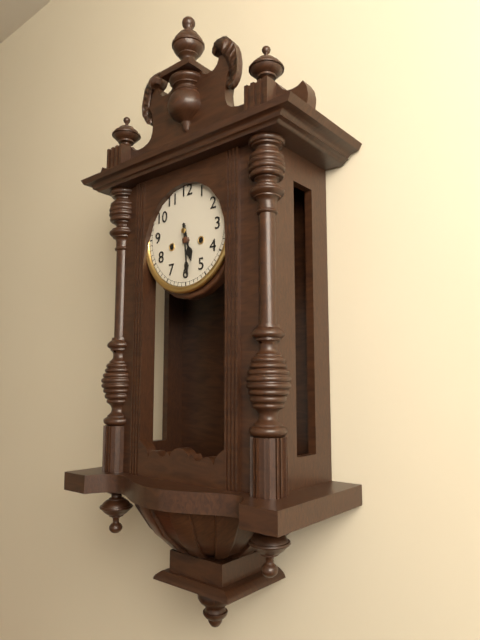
5:29
